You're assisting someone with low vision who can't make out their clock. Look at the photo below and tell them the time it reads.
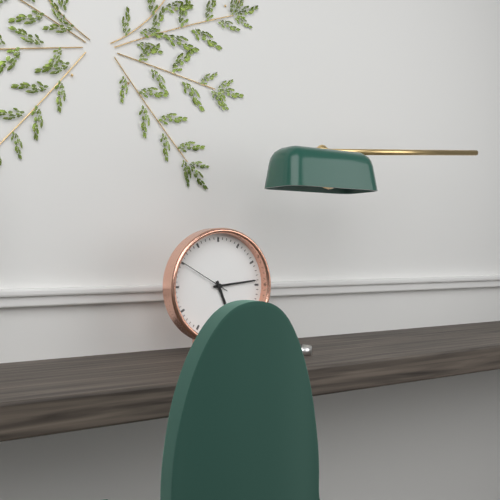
5:14:50
